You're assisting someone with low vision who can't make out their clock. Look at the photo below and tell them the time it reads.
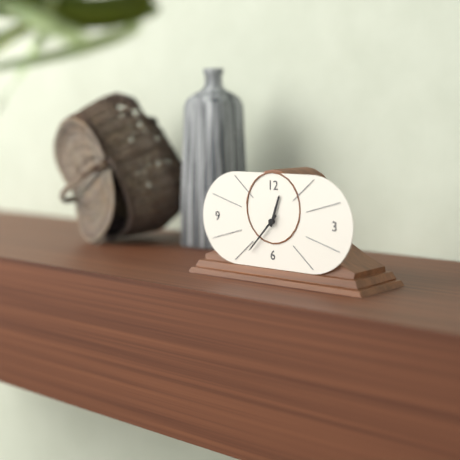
12:37
